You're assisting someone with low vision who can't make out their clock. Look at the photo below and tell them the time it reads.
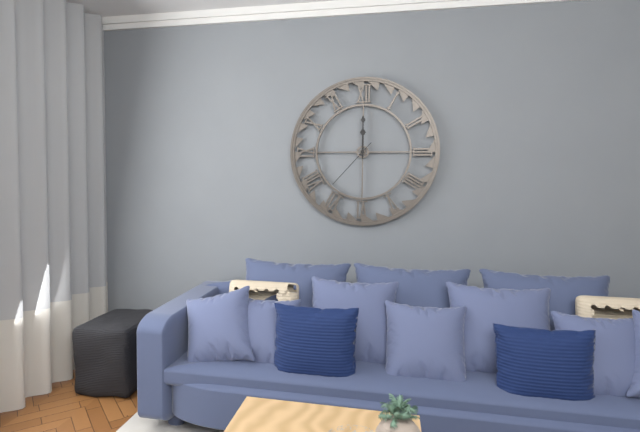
12:00:37
